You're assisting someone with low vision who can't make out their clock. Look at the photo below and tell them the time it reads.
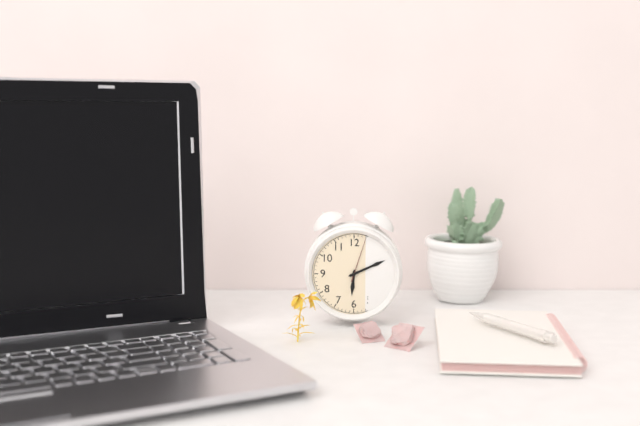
6:11
